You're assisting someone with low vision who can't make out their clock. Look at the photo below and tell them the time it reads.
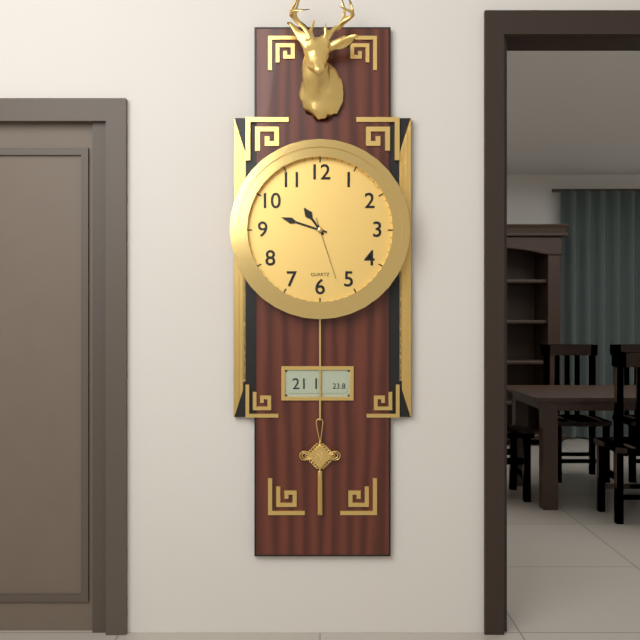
10:48:27
